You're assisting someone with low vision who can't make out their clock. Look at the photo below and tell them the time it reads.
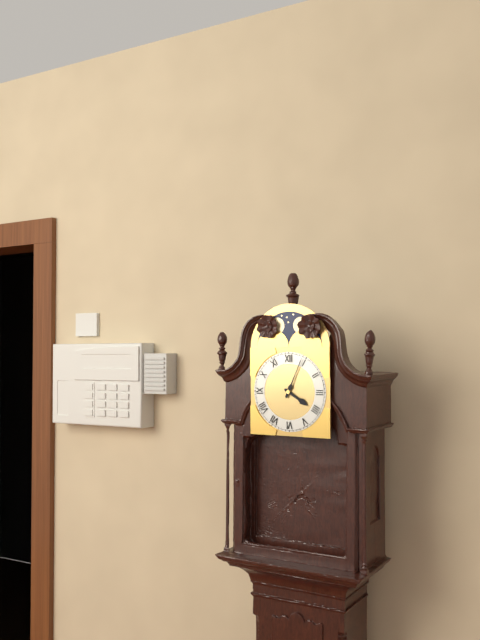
4:04
